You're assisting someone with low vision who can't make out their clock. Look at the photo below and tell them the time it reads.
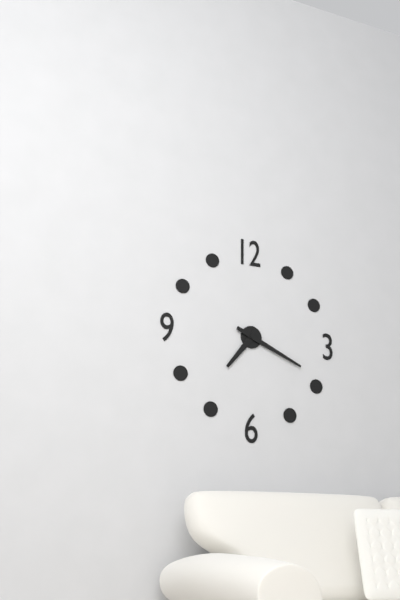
7:19
